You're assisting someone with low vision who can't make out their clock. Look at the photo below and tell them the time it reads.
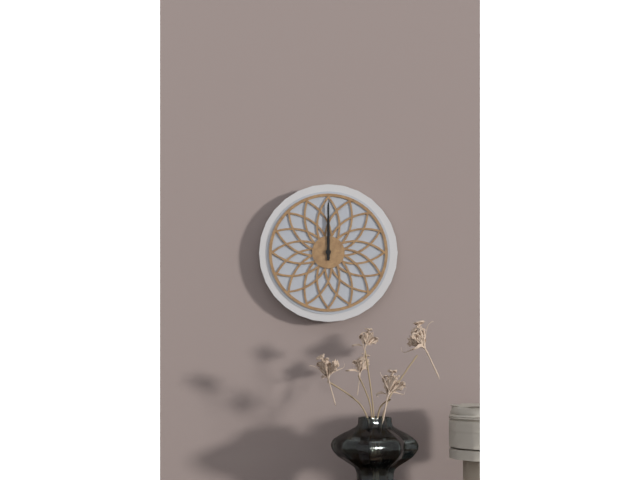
12:00
